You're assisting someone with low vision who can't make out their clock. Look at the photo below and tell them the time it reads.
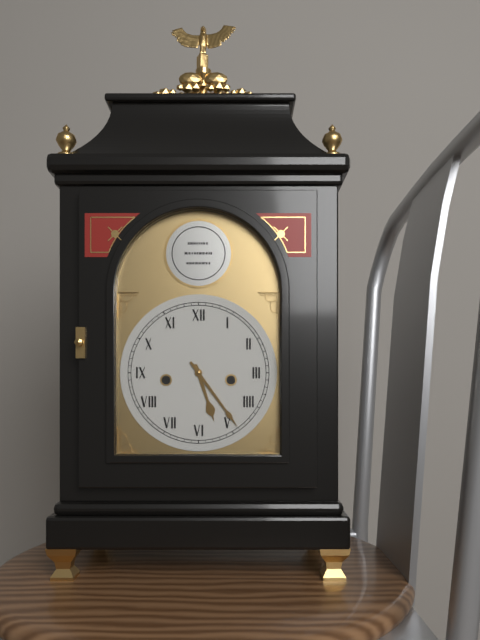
5:24
